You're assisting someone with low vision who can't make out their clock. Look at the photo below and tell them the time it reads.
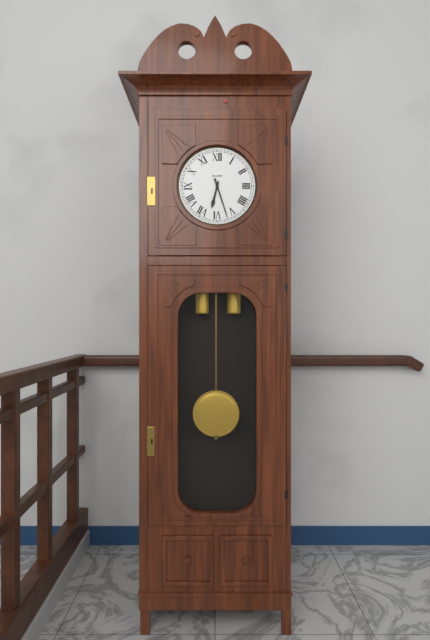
6:27
